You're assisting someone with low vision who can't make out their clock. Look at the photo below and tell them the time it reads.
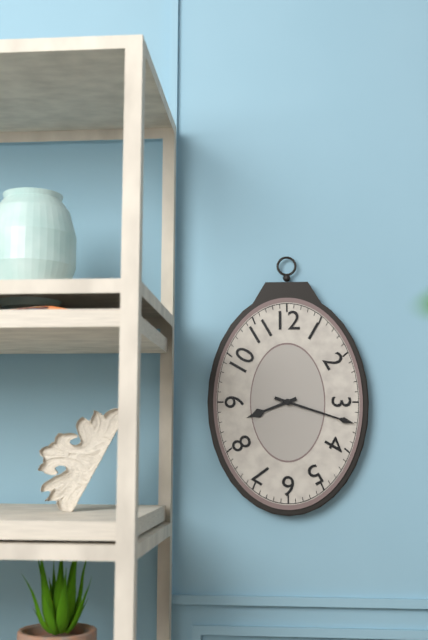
8:18
